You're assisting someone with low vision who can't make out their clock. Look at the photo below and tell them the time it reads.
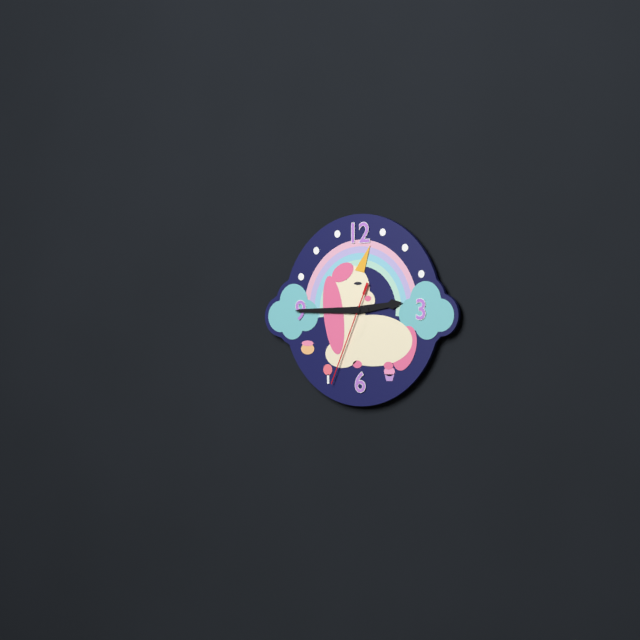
2:45:34
